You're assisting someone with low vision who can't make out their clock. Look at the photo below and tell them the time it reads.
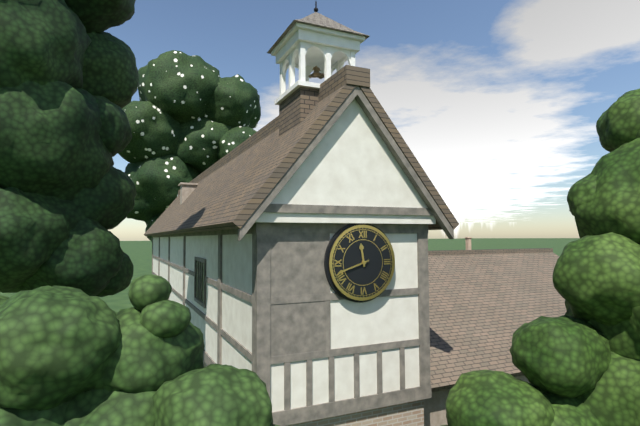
11:42
